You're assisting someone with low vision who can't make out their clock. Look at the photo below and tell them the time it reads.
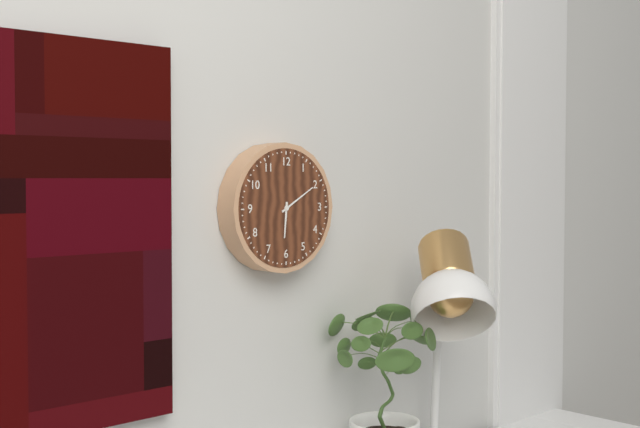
6:10
